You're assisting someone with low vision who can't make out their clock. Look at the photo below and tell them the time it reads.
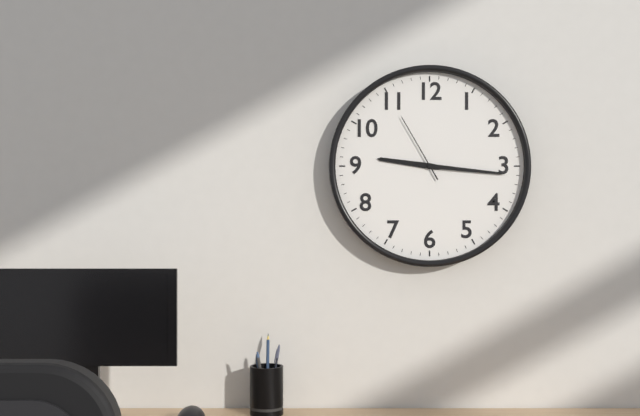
9:16:55
